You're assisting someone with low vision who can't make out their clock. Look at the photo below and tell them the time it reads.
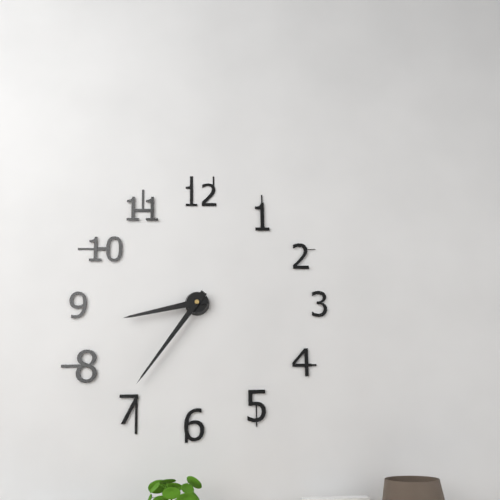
8:36
